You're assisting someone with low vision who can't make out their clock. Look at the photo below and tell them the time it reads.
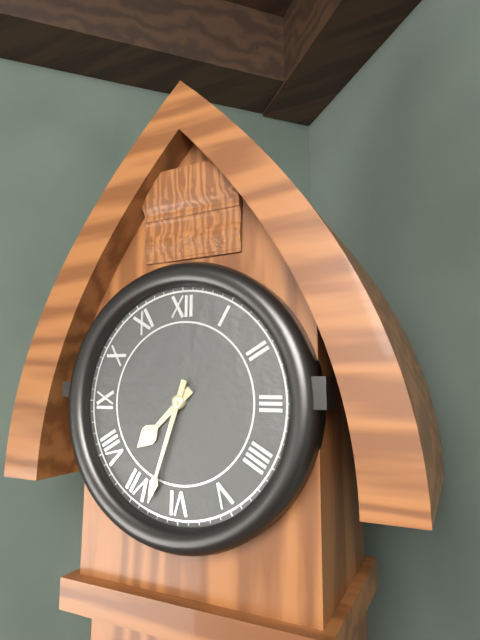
7:33
